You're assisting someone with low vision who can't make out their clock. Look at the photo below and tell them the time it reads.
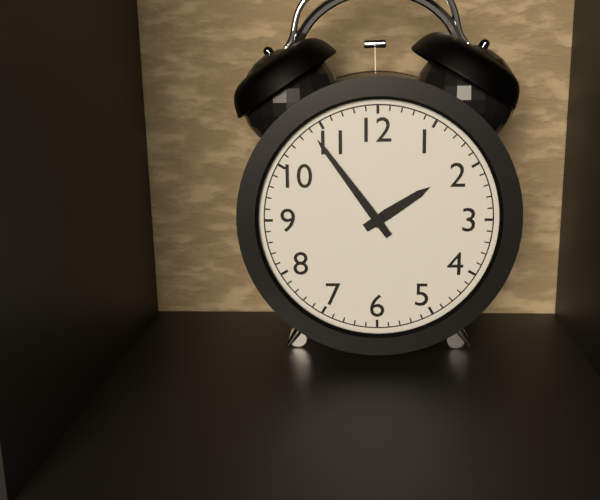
1:54
